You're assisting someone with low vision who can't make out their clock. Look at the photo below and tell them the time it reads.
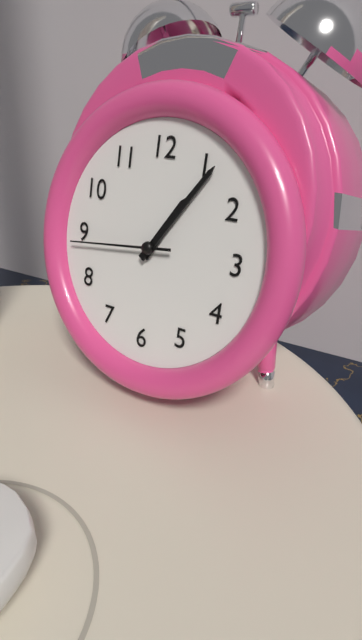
1:06:44
